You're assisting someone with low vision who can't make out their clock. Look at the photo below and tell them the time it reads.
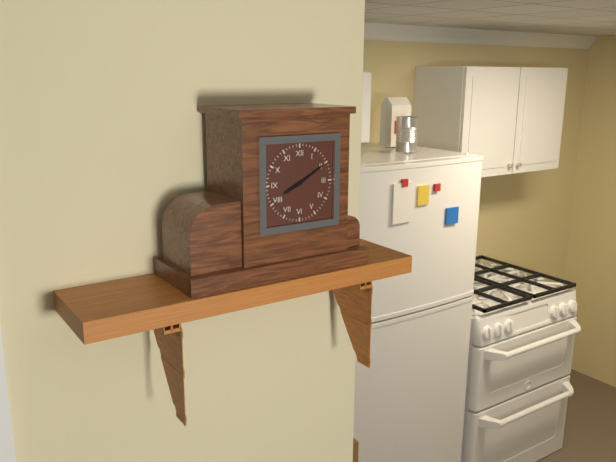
8:10
